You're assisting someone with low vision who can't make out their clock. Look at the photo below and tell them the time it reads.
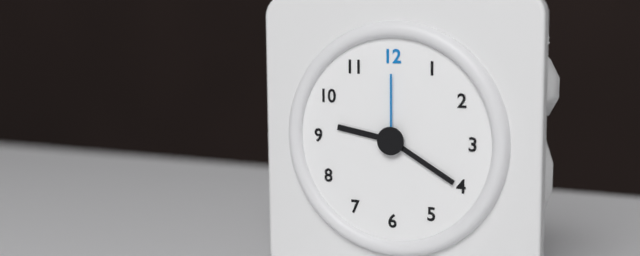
9:20:00
